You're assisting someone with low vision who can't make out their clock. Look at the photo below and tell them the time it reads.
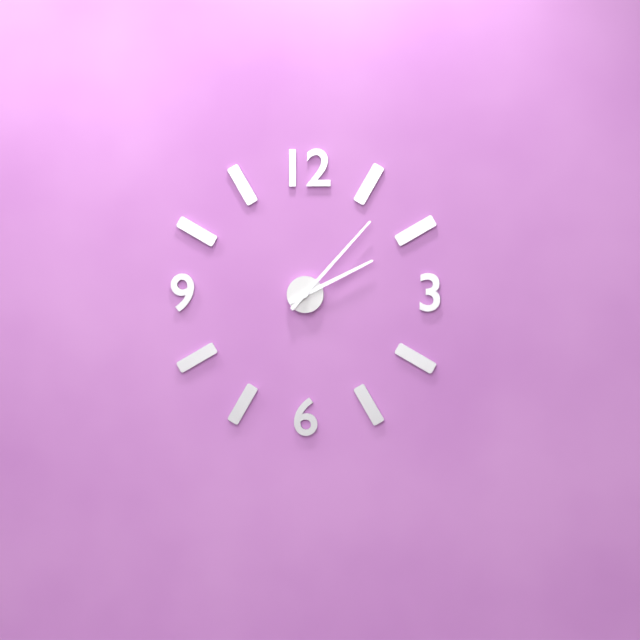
2:07
